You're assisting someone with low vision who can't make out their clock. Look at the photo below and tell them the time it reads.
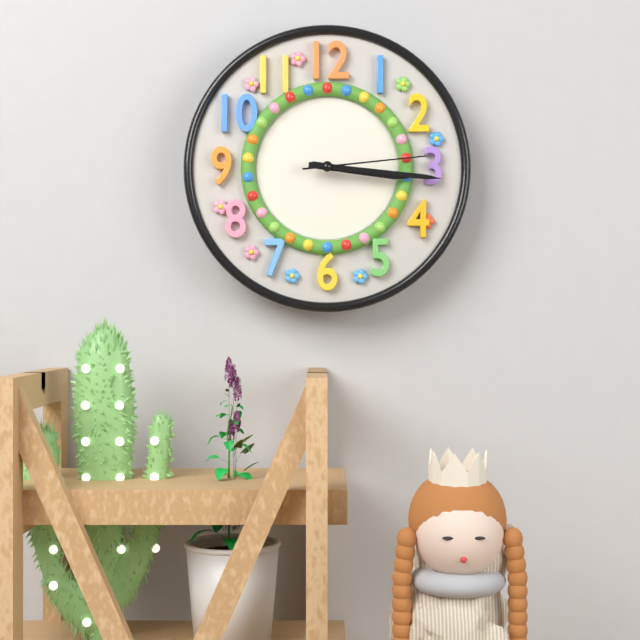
3:16:14
